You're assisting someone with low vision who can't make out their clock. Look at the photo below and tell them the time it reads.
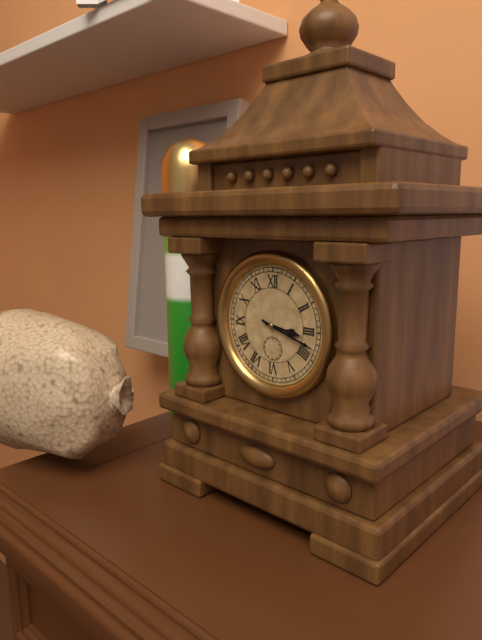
3:18
